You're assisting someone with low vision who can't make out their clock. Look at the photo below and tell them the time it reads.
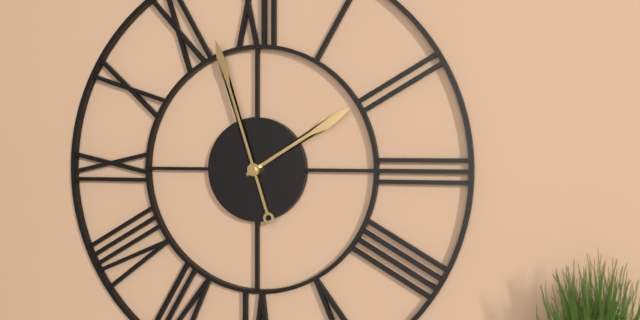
1:57
